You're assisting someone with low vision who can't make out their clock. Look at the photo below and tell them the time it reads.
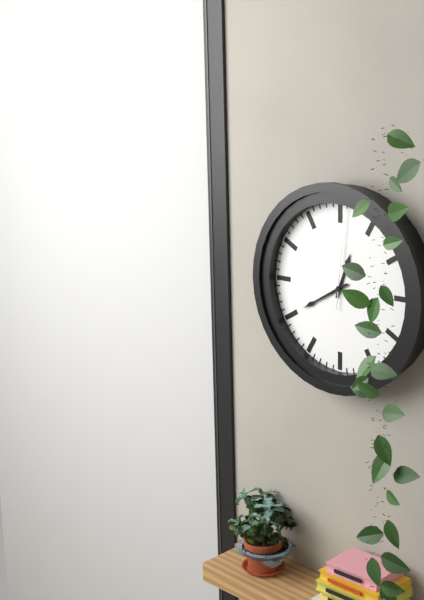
12:40:01
